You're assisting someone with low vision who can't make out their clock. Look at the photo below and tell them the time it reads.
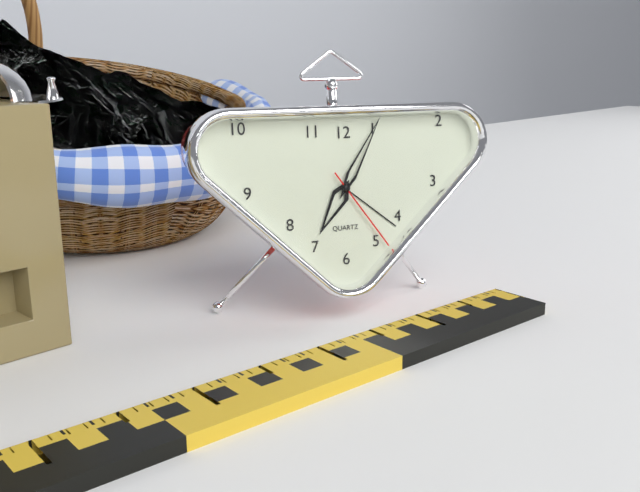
7:05:24
